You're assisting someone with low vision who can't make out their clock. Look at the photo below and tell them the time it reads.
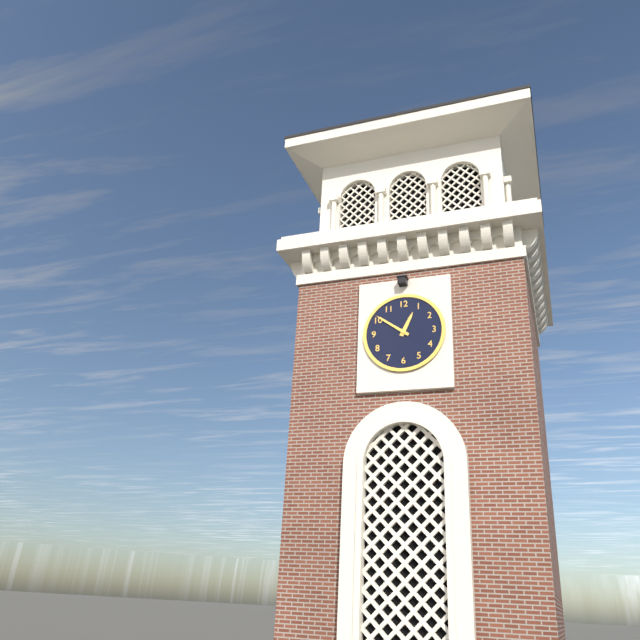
12:51
